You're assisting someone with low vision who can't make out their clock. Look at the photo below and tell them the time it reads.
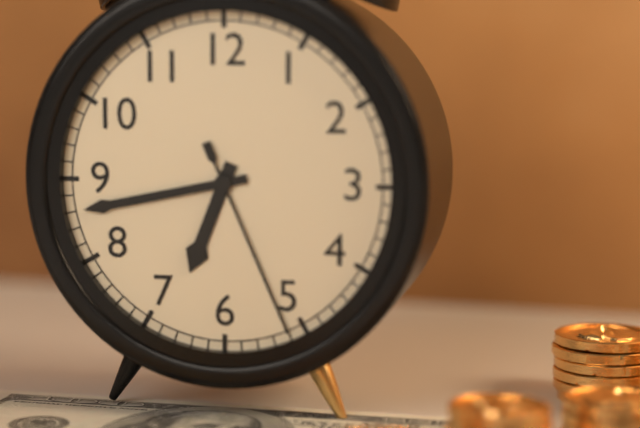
6:43:26
